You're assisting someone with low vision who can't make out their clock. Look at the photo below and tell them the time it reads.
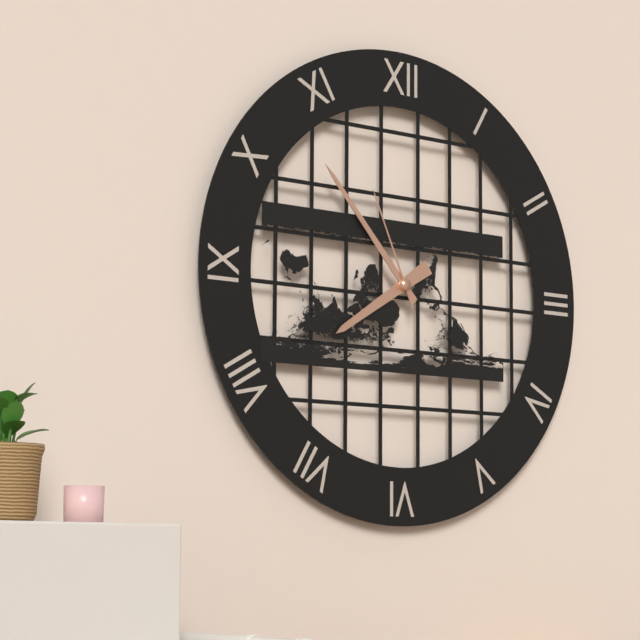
7:53:56
